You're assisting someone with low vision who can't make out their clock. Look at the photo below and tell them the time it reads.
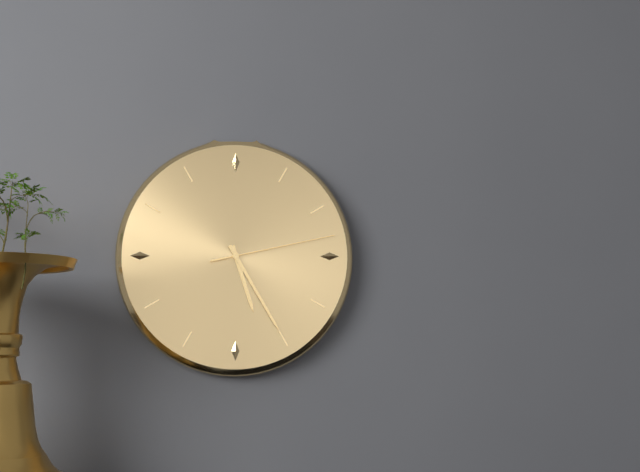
5:25:13
